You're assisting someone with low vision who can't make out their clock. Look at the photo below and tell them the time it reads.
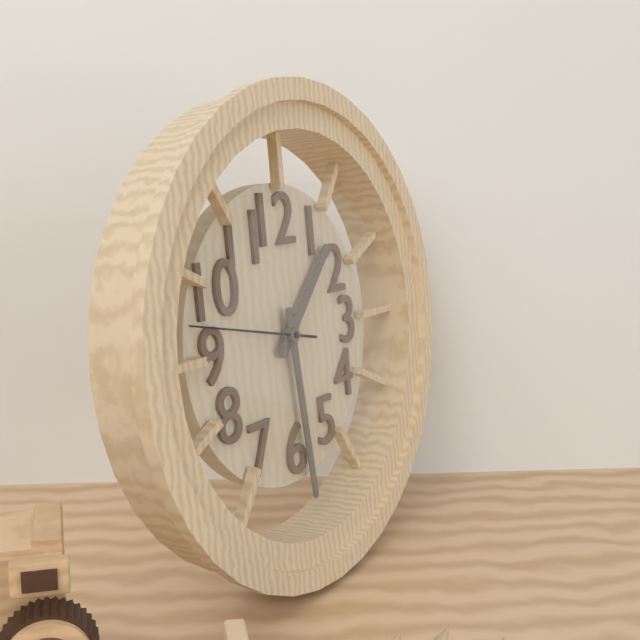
1:29:47
